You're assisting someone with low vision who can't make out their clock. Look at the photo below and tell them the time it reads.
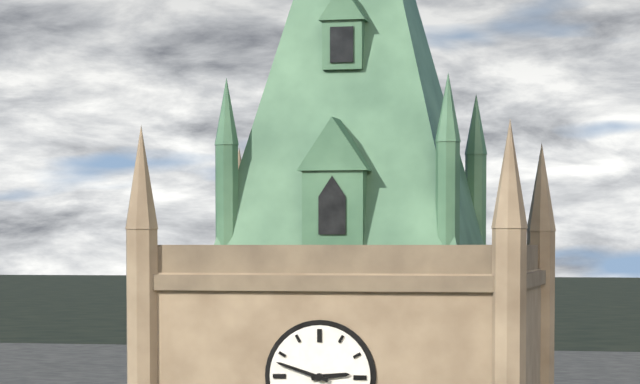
2:48
